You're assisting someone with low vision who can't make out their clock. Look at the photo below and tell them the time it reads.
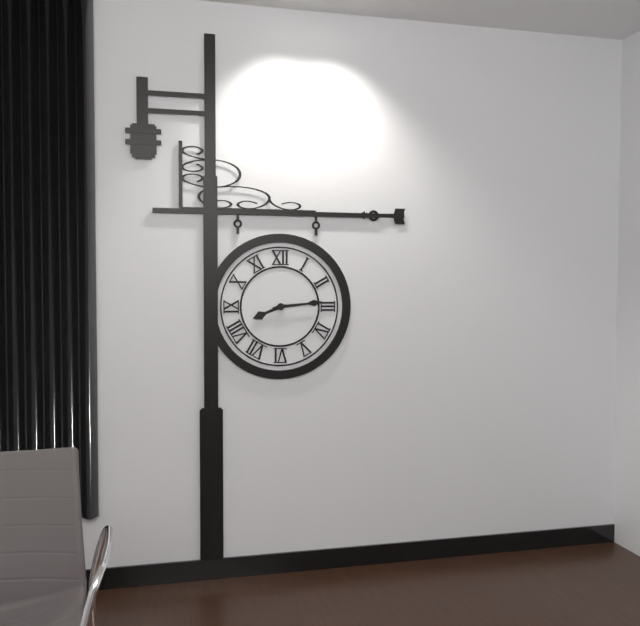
8:14
